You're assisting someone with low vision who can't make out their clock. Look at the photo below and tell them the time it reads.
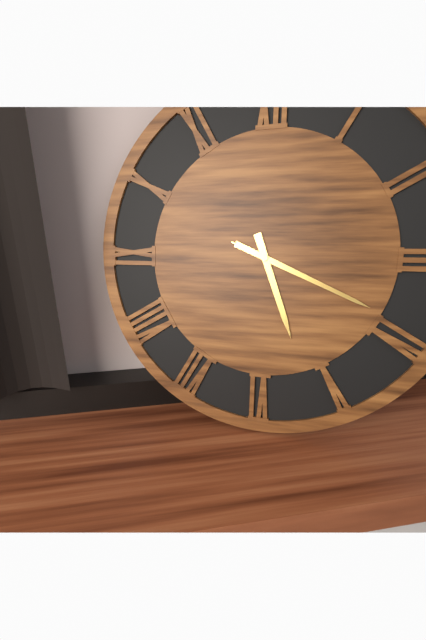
5:19:19
